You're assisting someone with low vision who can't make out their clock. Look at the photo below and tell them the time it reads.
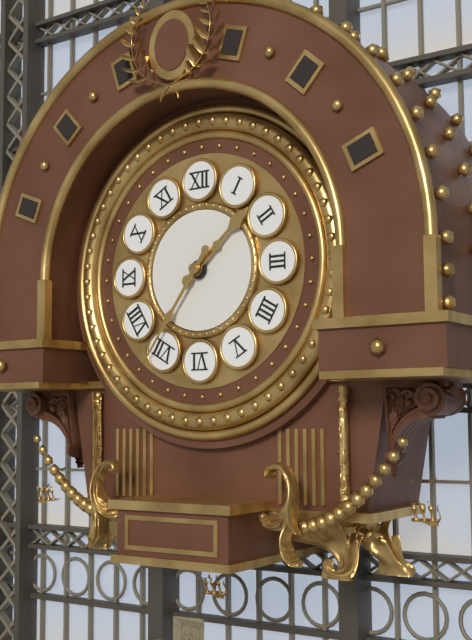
1:36
